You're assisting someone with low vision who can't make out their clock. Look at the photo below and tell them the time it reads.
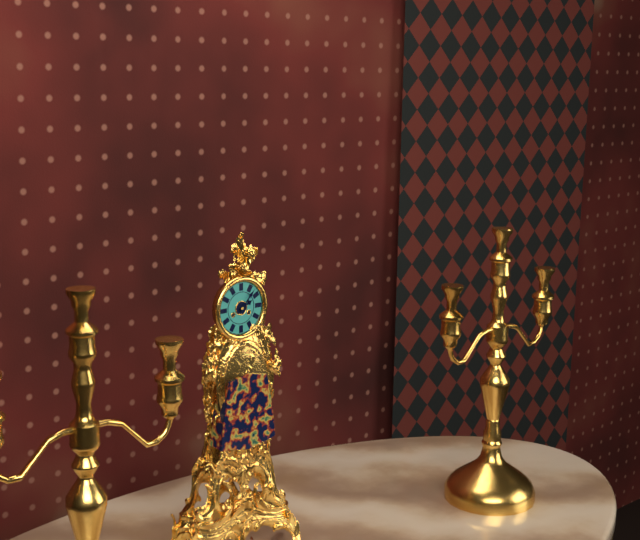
2:07
